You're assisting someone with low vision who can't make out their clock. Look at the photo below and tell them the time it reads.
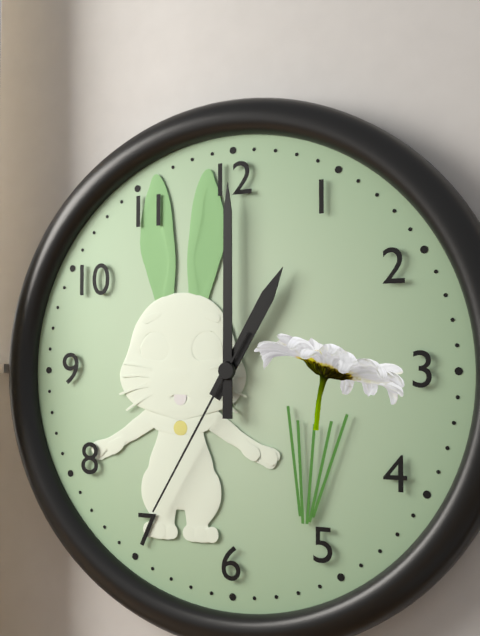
1:00:35
